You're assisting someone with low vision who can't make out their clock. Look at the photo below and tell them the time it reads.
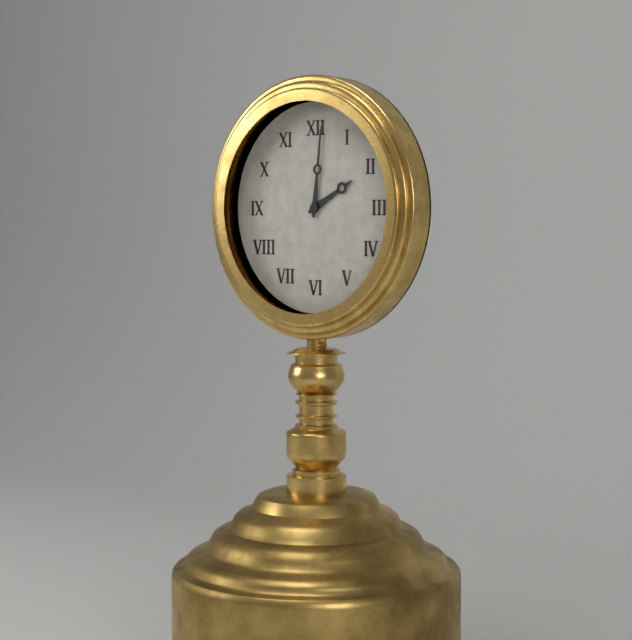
2:01
